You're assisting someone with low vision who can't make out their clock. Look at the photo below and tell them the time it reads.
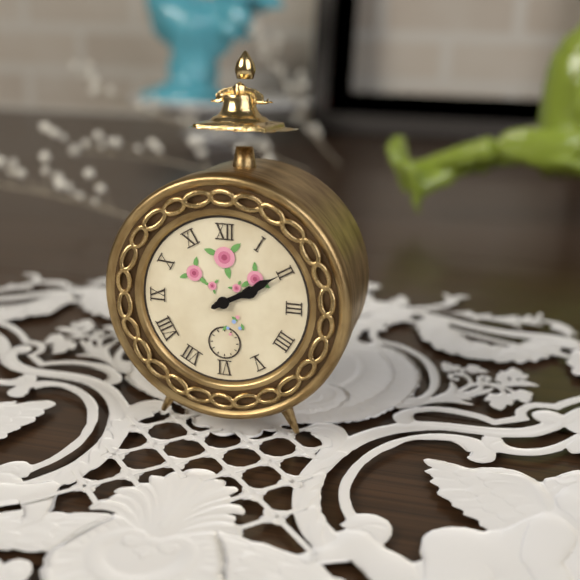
2:10
